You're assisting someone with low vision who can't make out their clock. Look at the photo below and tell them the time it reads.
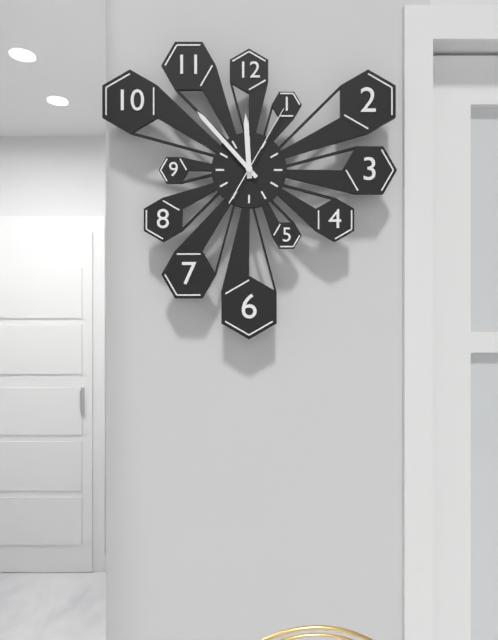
11:53:05
